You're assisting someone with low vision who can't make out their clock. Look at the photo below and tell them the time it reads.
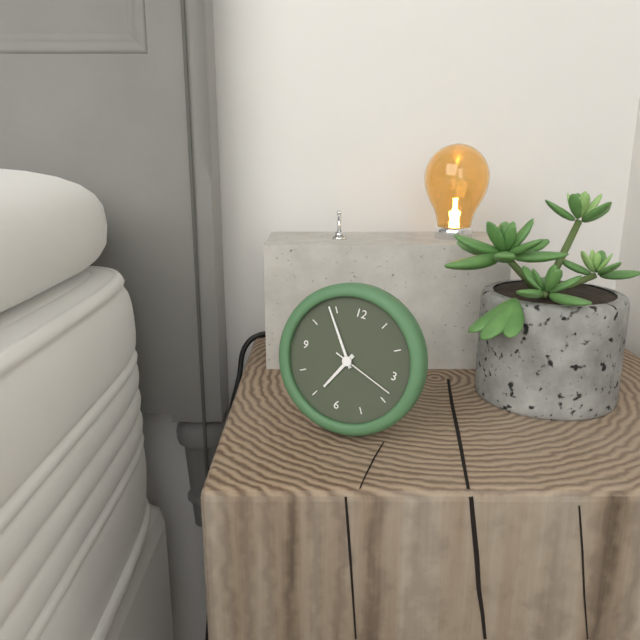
6:54:18
